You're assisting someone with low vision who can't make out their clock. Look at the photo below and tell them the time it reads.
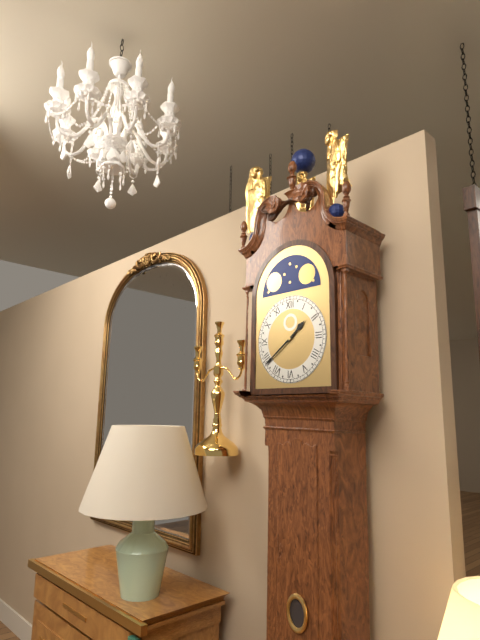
1:39
